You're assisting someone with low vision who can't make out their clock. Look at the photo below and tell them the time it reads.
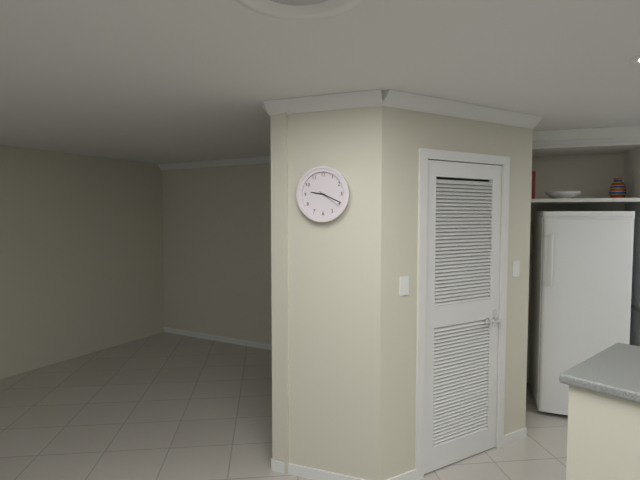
9:19
